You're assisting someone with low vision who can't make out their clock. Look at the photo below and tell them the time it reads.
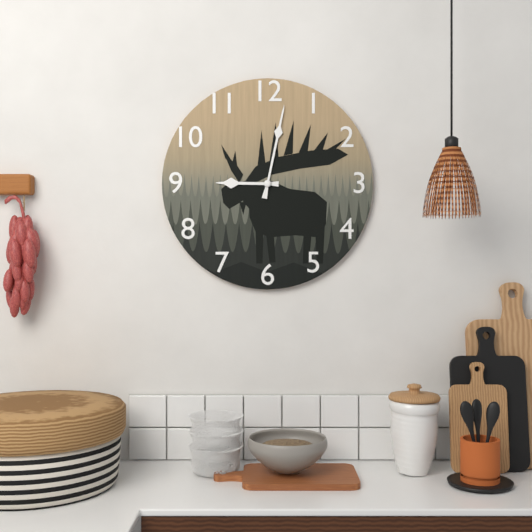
9:02
